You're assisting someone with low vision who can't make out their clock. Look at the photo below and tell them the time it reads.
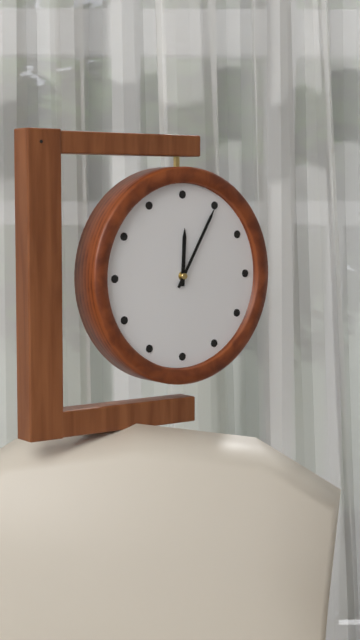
12:05
